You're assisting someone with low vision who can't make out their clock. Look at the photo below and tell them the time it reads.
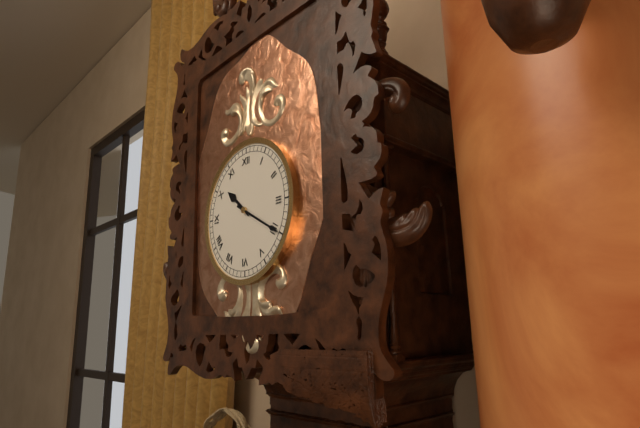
10:20
